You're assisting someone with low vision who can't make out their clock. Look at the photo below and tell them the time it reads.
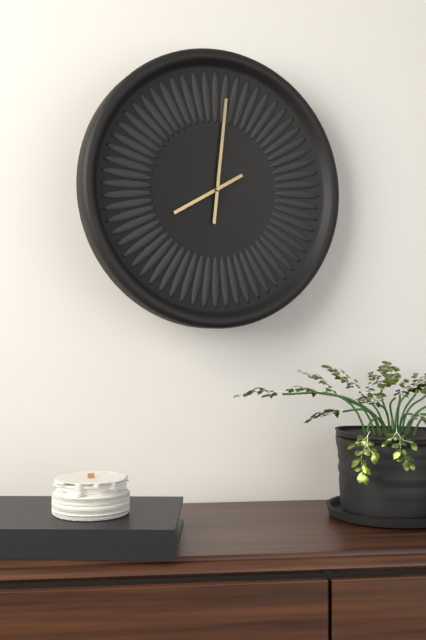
8:01
